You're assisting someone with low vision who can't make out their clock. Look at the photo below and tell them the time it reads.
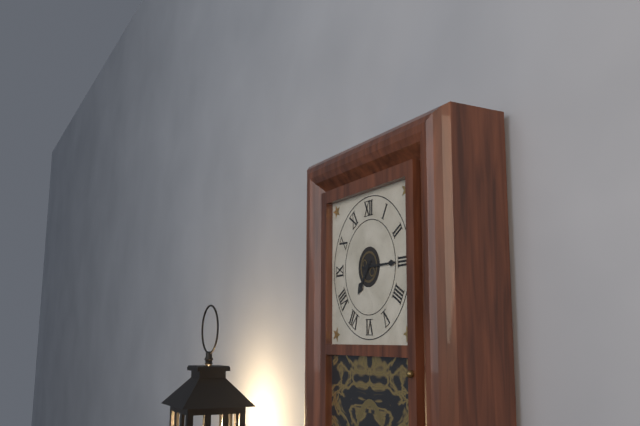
7:15
